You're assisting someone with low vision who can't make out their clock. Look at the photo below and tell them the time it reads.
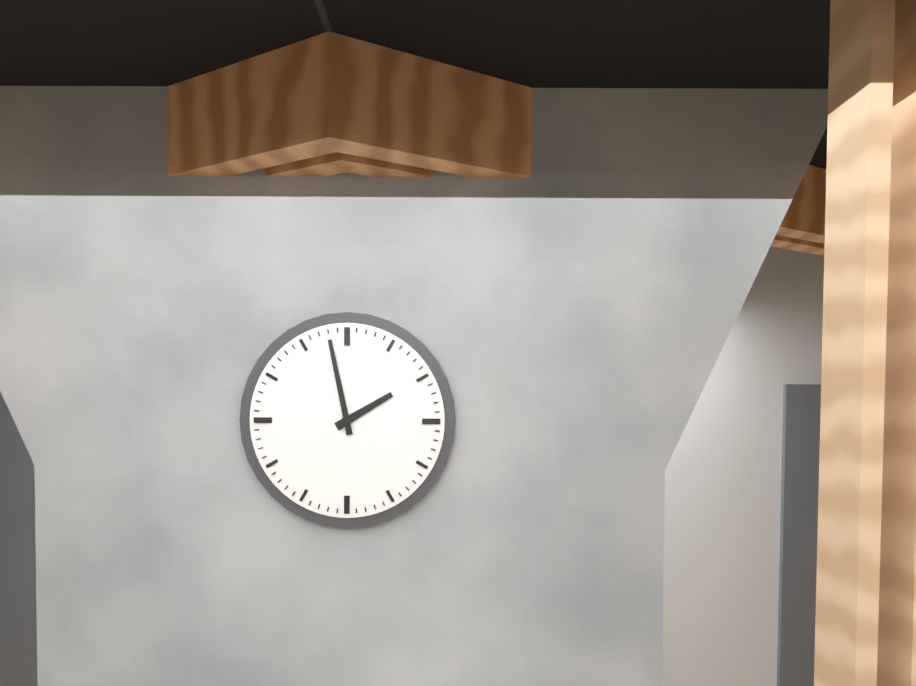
1:58
